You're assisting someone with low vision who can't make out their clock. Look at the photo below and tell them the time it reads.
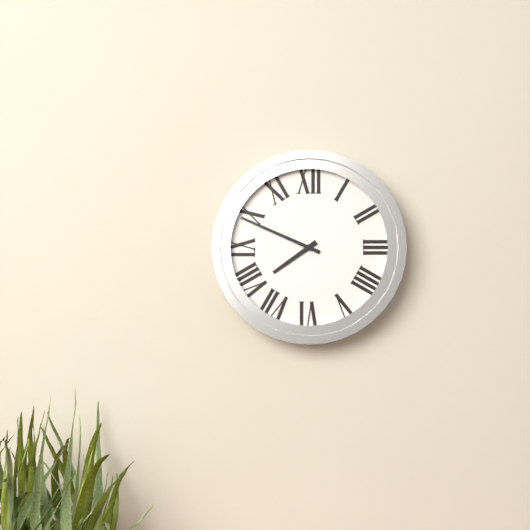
7:49
